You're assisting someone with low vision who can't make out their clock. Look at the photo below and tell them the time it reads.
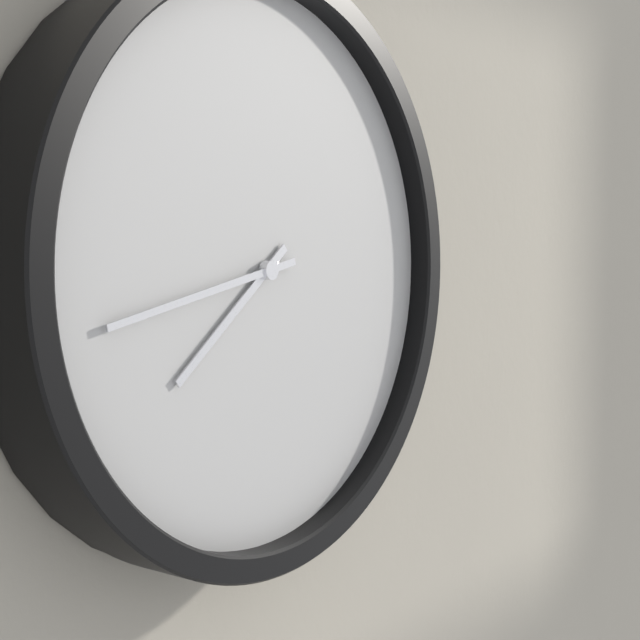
7:43
